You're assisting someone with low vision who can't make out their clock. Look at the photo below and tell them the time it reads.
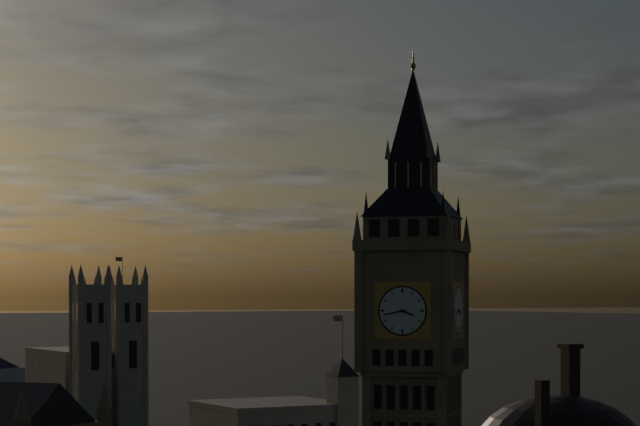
3:43
